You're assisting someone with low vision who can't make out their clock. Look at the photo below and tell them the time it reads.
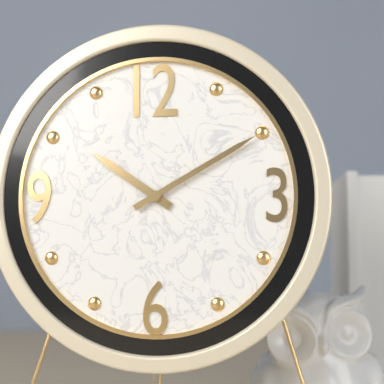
10:10
